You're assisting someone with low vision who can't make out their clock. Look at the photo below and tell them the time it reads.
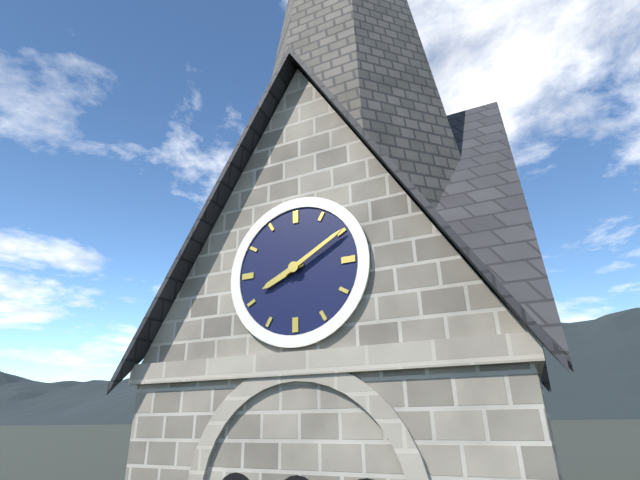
8:10
